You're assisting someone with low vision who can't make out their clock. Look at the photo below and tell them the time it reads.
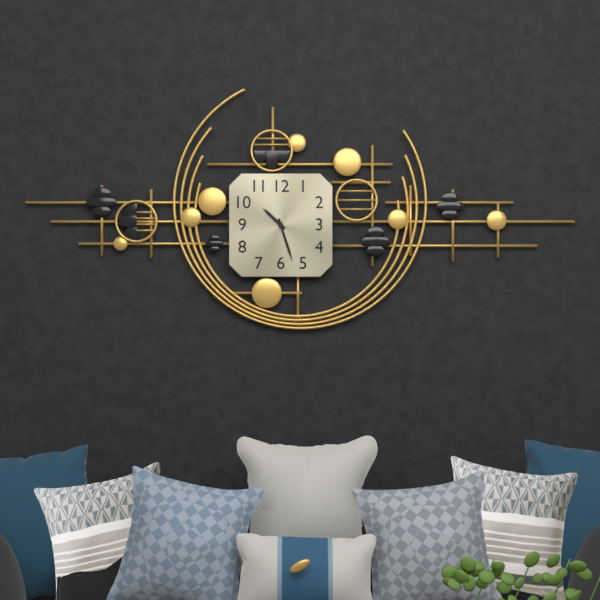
10:27
